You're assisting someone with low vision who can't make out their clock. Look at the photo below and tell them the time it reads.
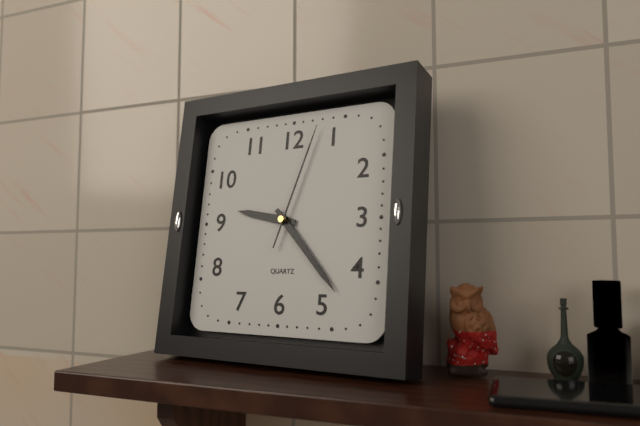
9:23:03
